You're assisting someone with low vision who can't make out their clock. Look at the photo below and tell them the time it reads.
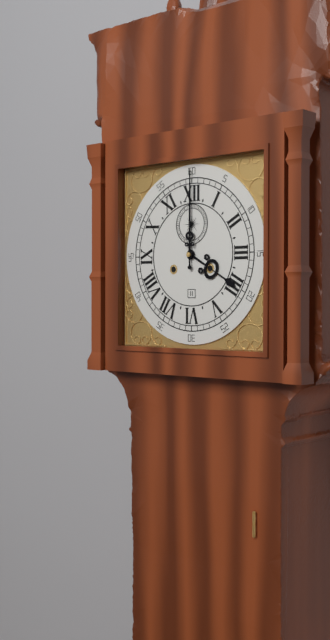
4:00
